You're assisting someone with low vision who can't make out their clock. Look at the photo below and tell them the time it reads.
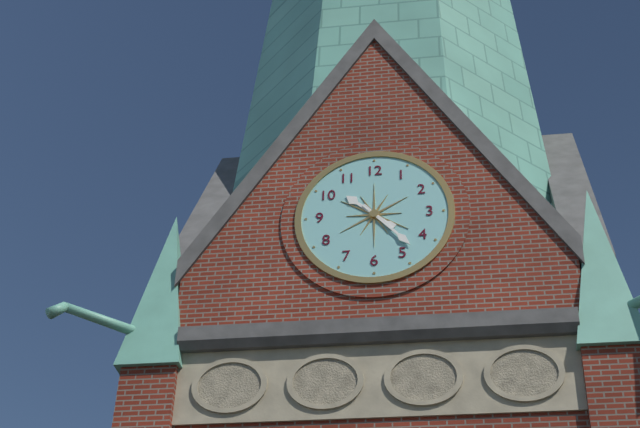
10:23
